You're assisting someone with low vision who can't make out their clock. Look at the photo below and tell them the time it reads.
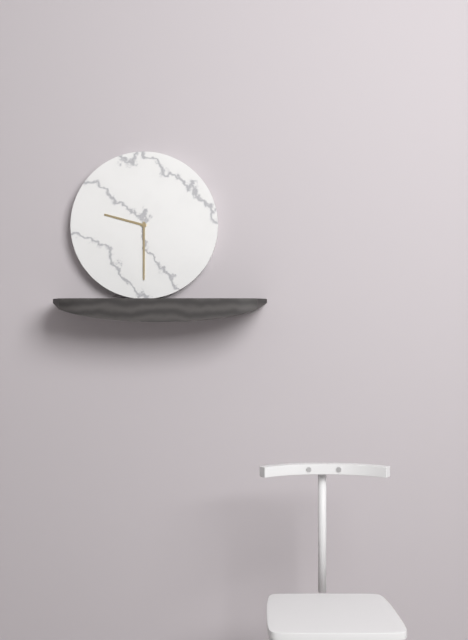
9:30
